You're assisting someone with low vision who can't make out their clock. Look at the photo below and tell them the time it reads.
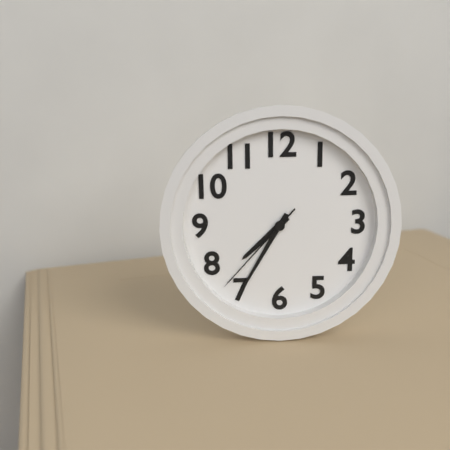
7:35:37
